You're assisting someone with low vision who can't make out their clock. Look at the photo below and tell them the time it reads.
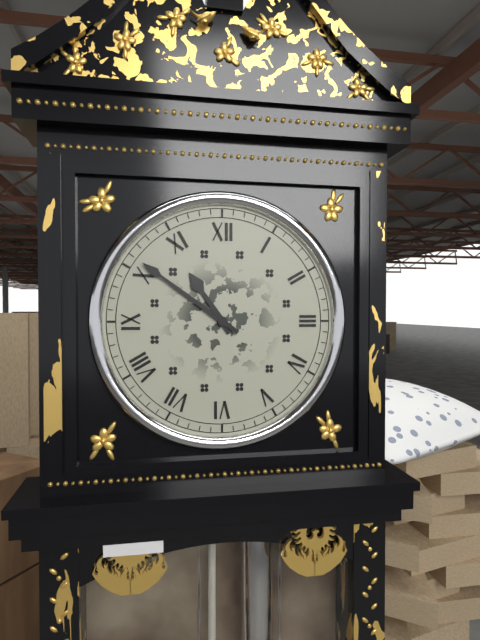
10:51
